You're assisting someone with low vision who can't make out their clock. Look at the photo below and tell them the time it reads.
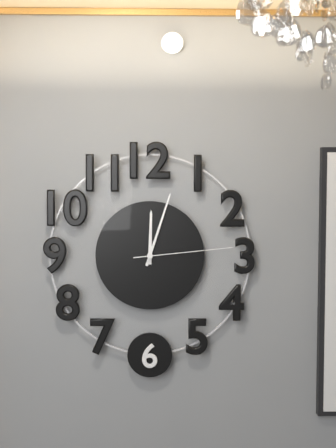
12:03:14
